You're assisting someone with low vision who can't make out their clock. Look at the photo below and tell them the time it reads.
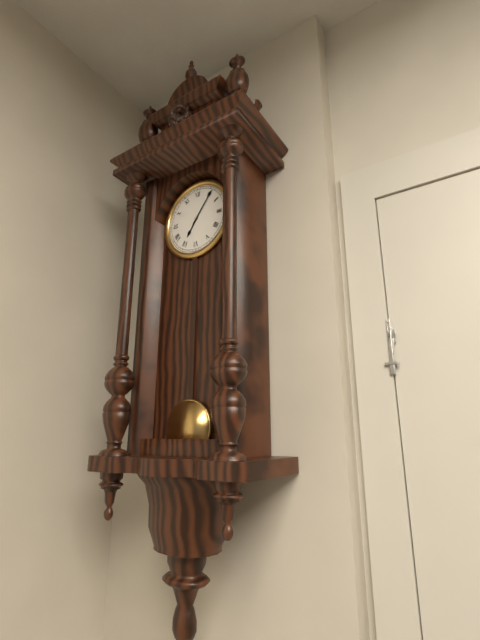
7:06
